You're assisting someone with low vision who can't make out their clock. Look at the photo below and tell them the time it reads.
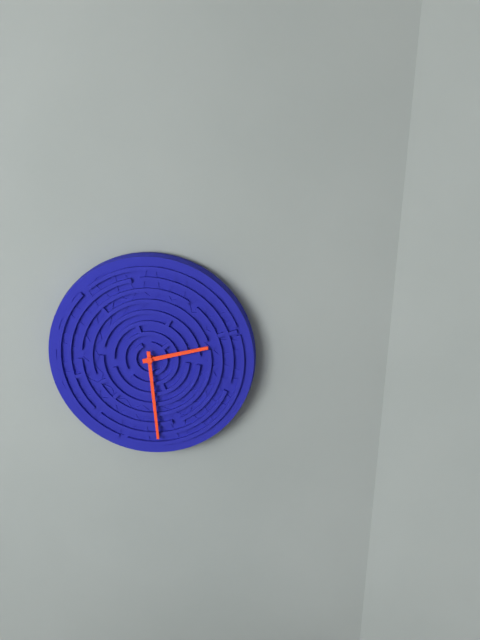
2:29
